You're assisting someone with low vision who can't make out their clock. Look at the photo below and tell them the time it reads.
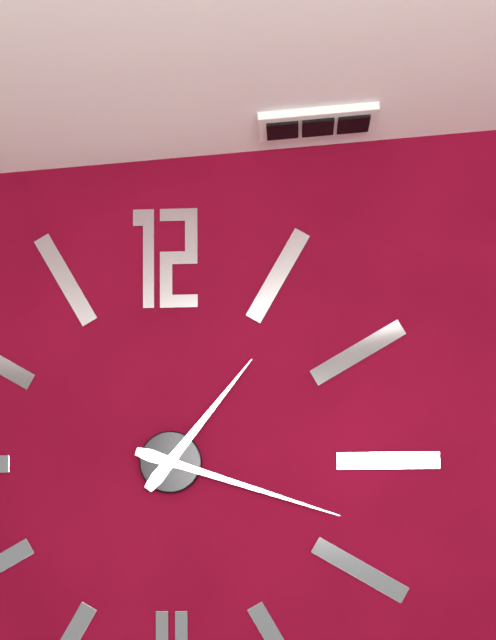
1:18
